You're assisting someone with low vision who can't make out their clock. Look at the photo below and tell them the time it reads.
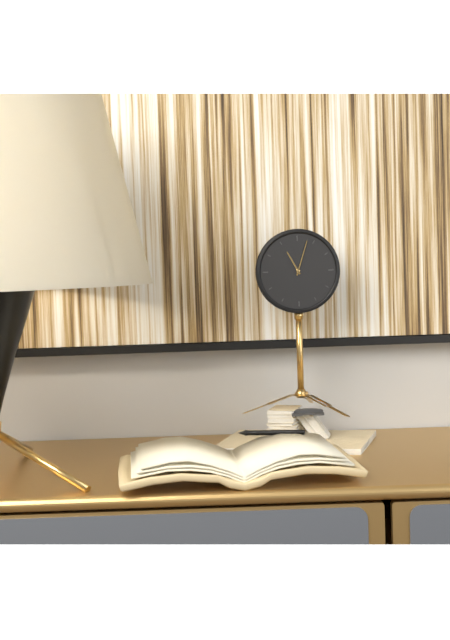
11:03
